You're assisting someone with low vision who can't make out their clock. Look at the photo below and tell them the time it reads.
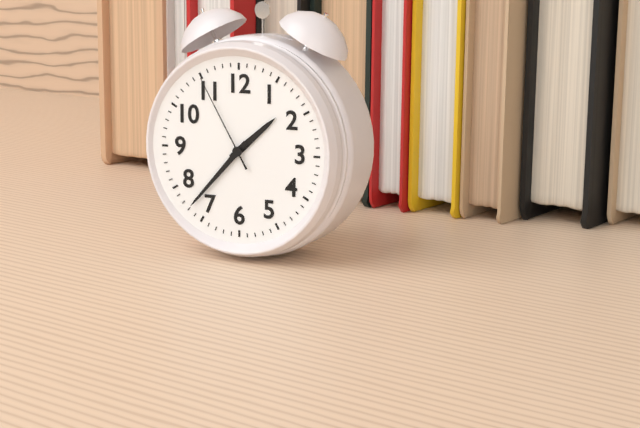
1:37:55
